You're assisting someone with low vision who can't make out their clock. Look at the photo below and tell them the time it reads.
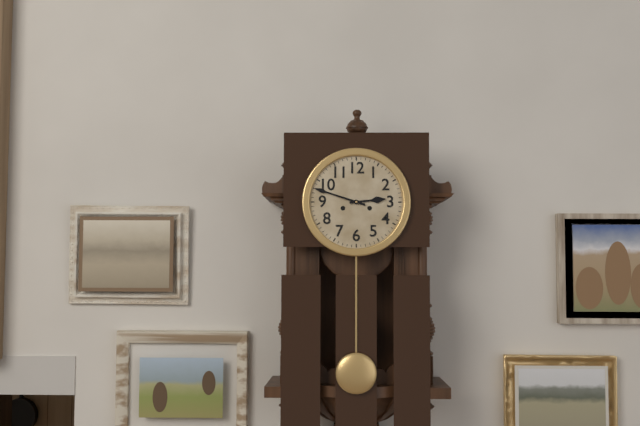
2:48
